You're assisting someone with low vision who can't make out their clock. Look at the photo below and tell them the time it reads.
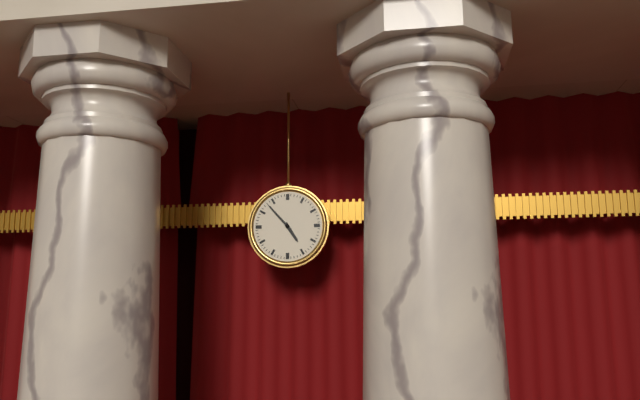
4:53
